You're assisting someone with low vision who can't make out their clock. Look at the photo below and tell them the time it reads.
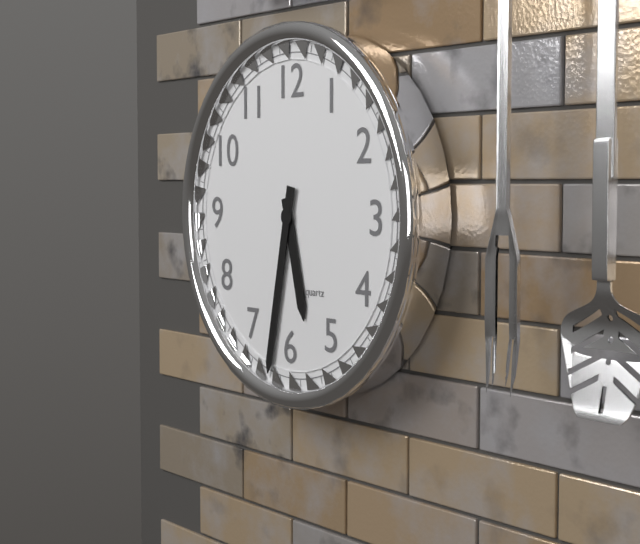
5:32
